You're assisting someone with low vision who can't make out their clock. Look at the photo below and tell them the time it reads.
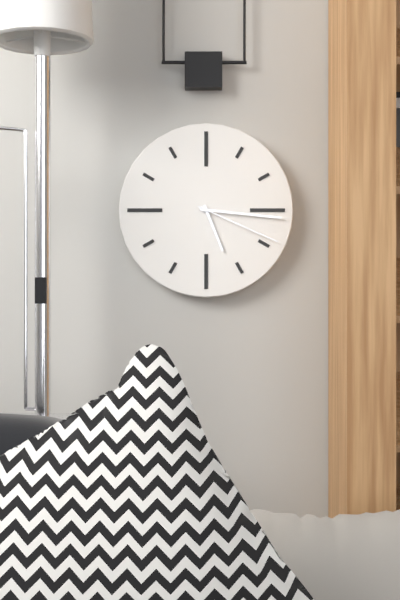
5:16:19
